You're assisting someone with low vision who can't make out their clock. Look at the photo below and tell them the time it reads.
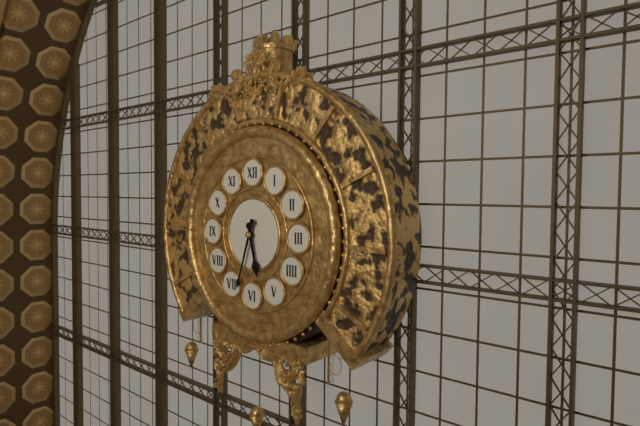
5:33
